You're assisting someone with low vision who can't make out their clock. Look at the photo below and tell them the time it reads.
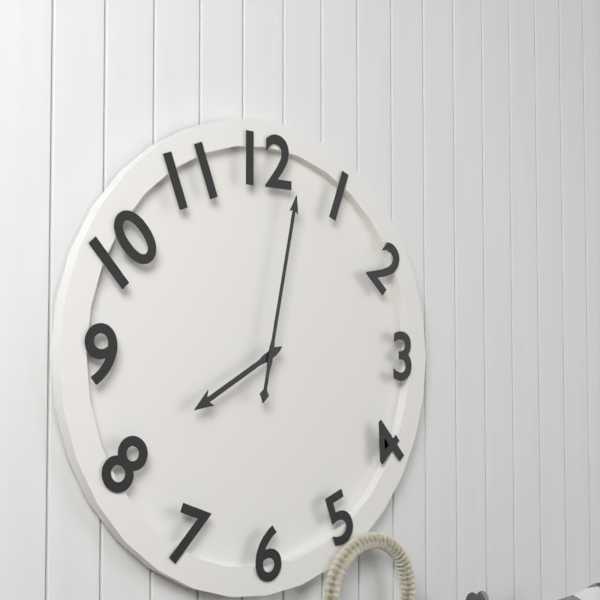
8:02
